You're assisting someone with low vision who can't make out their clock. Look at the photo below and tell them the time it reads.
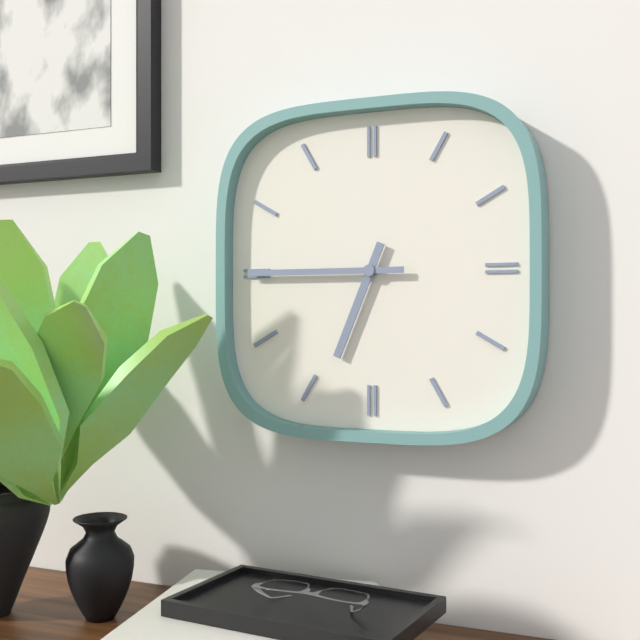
6:45
